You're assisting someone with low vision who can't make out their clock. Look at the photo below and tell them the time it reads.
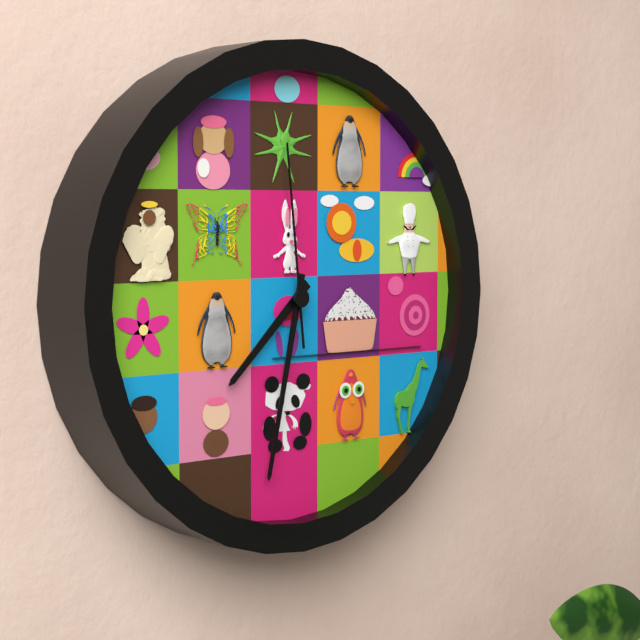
7:32:59
